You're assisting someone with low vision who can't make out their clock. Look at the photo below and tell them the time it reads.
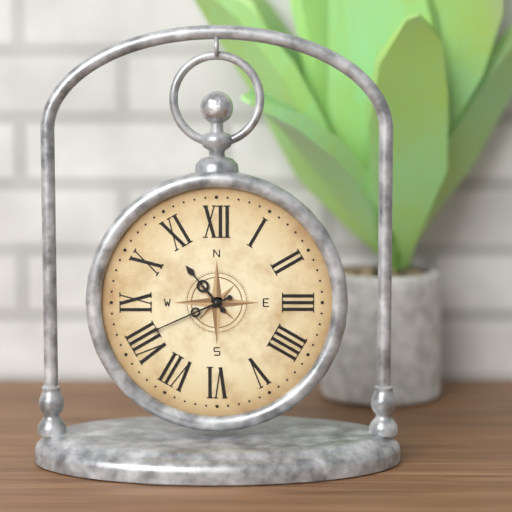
10:41
